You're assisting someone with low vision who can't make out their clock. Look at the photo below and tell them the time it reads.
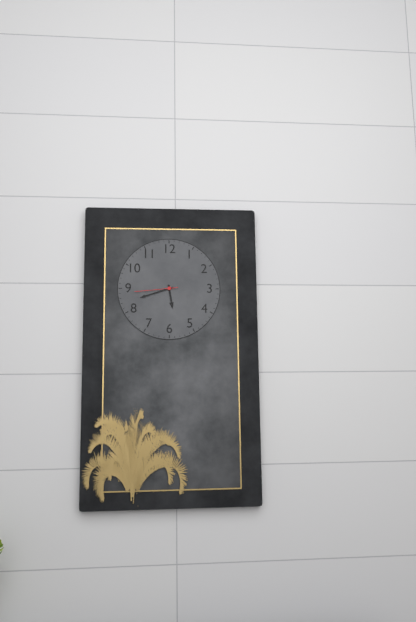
5:42
